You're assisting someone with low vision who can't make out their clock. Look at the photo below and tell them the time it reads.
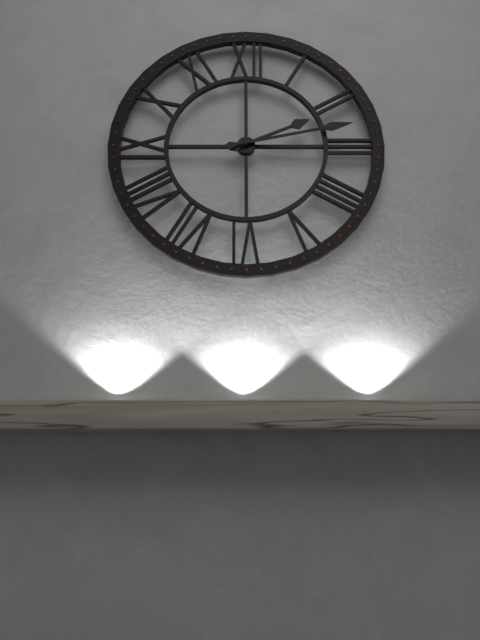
2:13
